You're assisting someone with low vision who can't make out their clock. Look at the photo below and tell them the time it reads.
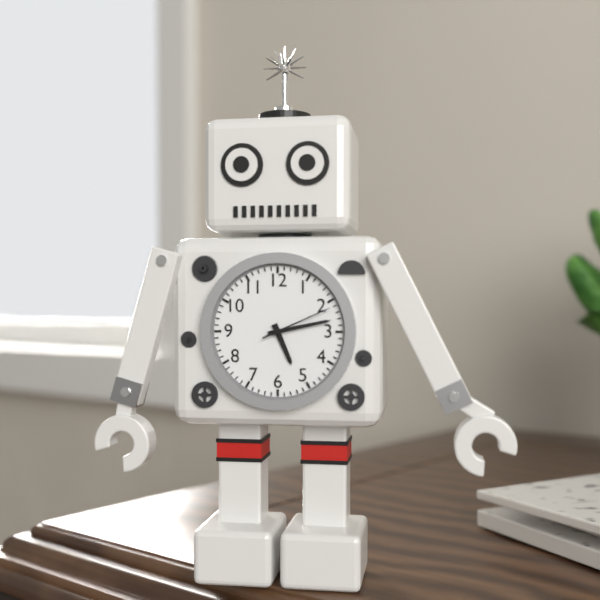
5:13:11
